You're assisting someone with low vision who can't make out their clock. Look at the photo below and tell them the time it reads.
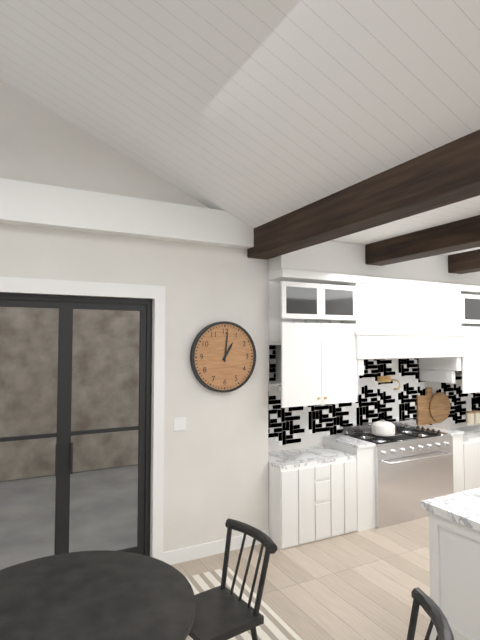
1:01
